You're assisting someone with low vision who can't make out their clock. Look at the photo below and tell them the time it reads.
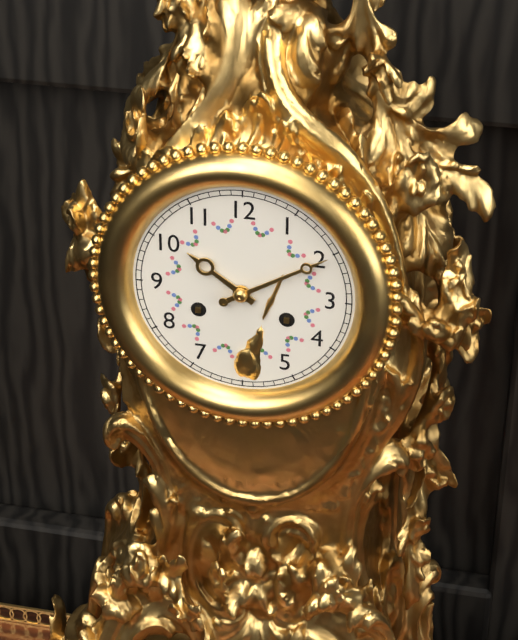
10:10
